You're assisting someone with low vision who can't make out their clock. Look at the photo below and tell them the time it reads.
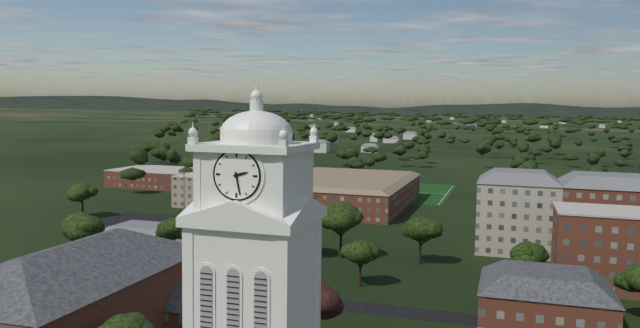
2:28
